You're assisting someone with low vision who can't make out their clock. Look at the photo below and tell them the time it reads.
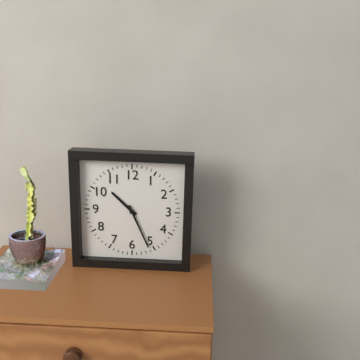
10:26
